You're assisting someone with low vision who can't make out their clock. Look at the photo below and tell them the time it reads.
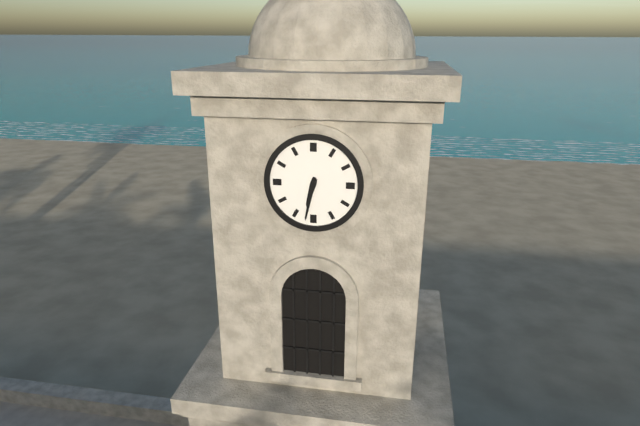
6:32
